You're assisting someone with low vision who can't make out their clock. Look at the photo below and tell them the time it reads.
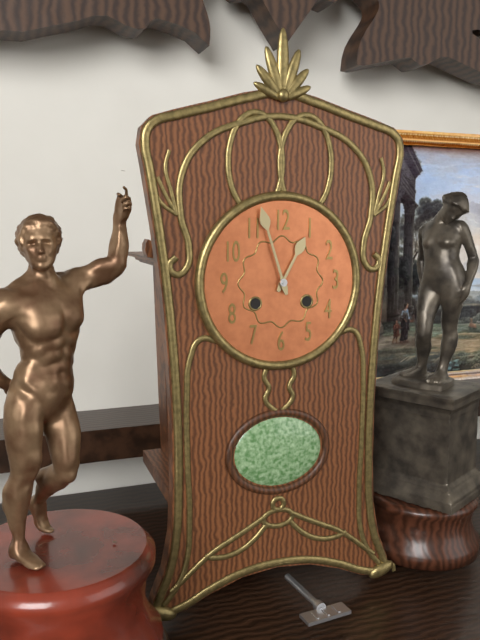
12:57
